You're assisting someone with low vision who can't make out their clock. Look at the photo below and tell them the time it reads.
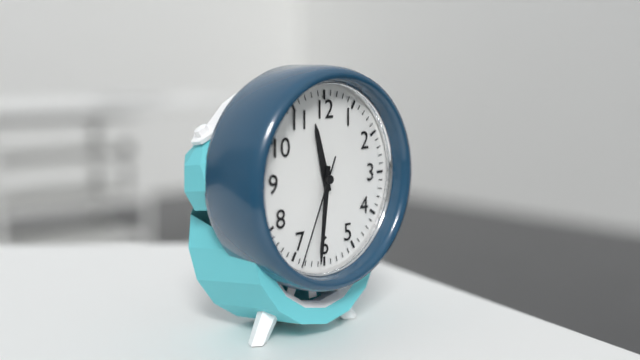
11:31:34
